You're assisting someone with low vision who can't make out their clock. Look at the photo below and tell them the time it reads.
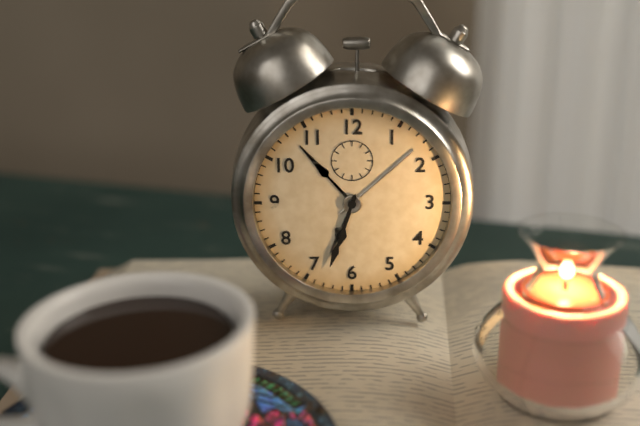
6:33
